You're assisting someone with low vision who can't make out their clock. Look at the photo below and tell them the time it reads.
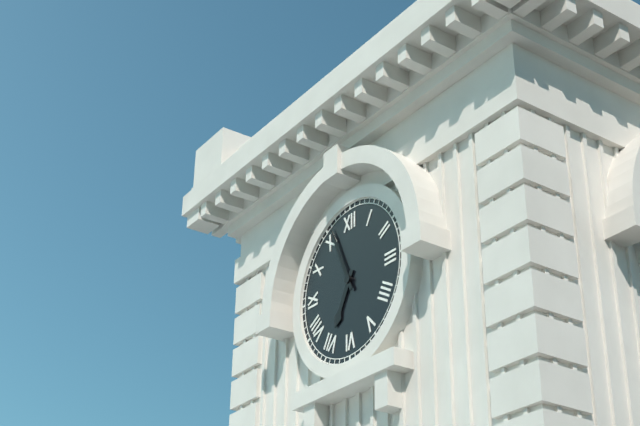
6:56
